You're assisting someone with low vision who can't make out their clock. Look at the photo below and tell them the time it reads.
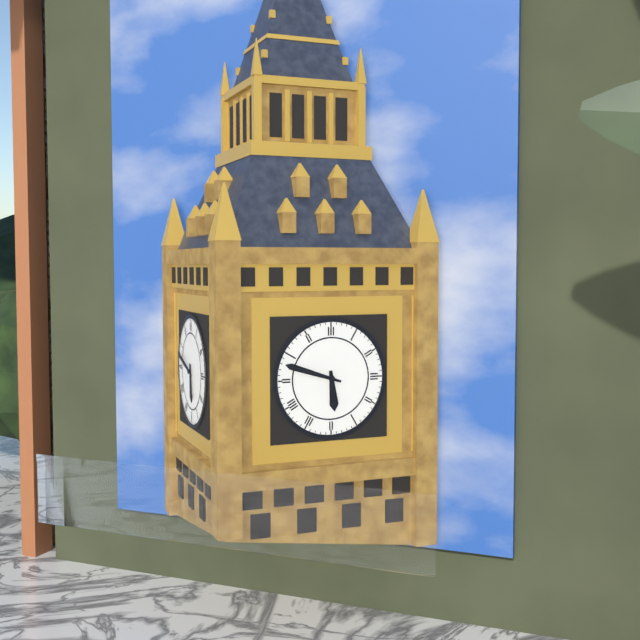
5:48
